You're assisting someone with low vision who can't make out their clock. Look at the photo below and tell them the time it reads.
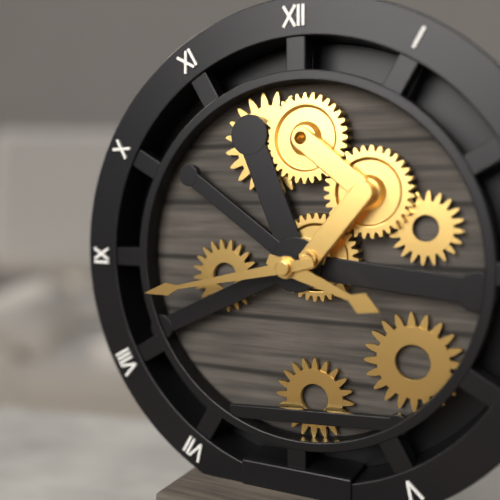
3:43
